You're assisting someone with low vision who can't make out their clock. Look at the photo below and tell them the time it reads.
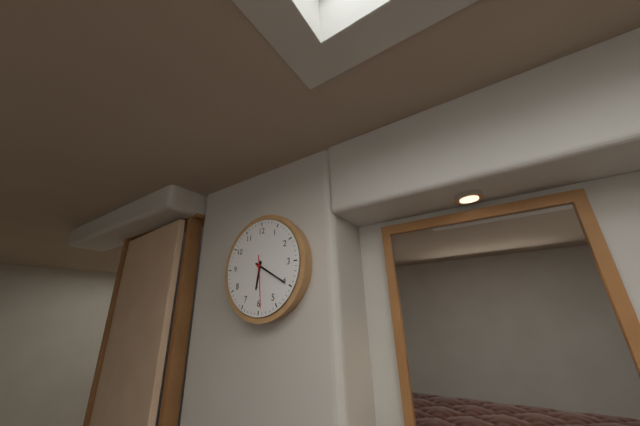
6:20:29
